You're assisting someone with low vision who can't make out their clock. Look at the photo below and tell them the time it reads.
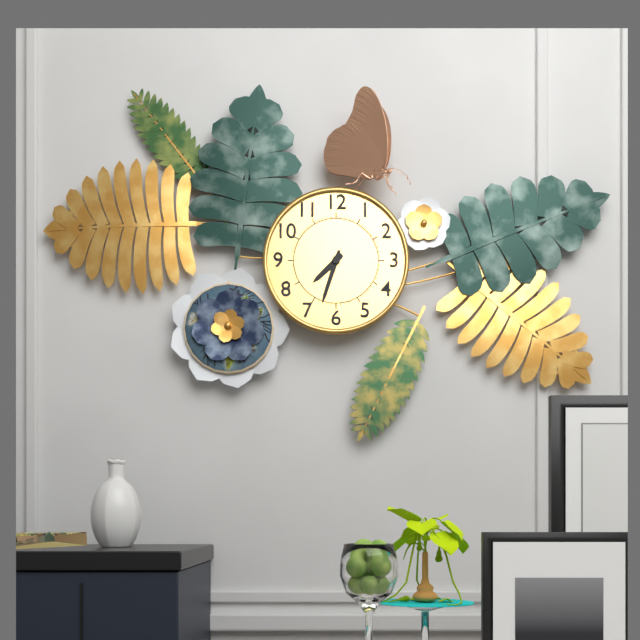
7:33
